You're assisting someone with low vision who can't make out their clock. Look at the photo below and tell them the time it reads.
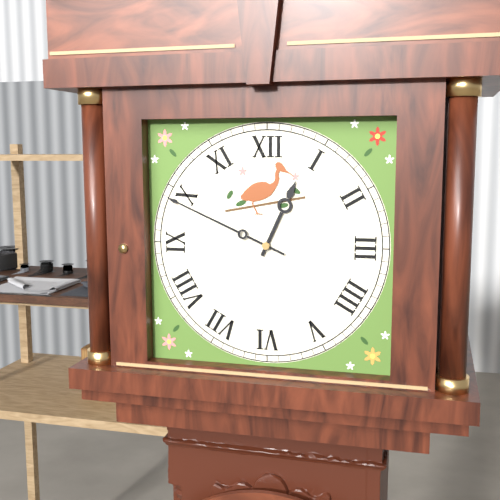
12:49
